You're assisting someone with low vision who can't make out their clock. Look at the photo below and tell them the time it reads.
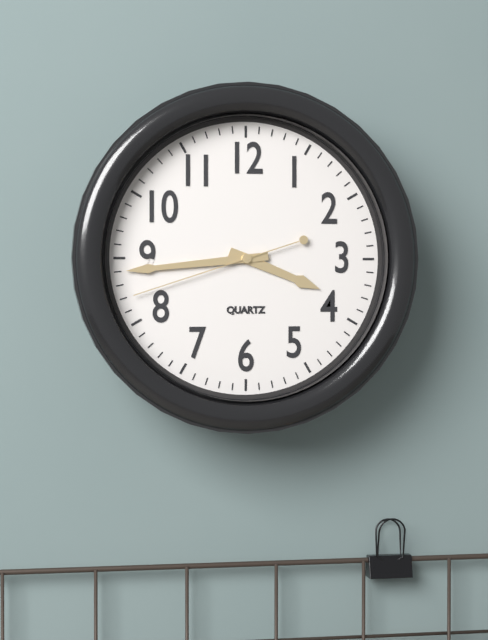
3:44:42
